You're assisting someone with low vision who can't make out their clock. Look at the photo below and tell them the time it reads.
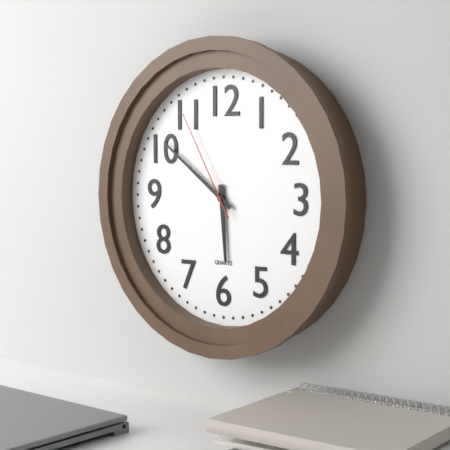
5:51:55
